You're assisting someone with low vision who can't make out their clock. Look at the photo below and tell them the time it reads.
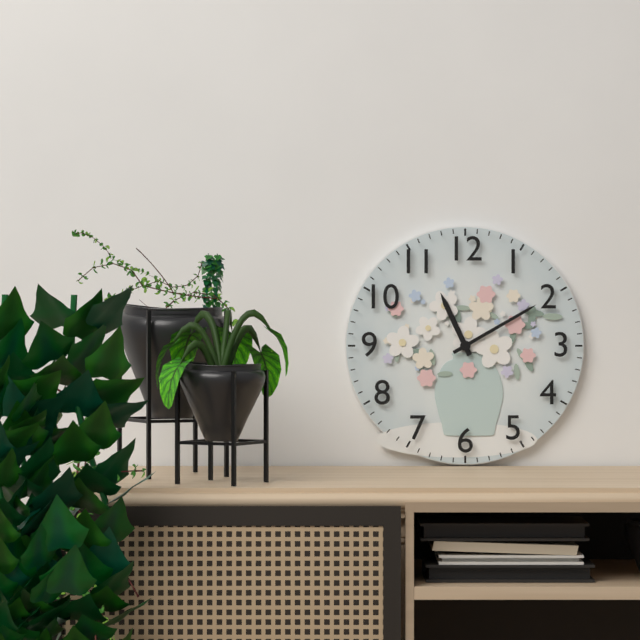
11:10
